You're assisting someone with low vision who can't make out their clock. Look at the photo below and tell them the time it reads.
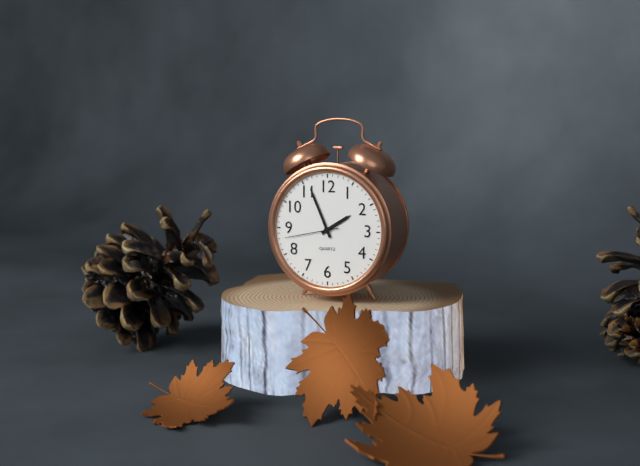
1:56:43
